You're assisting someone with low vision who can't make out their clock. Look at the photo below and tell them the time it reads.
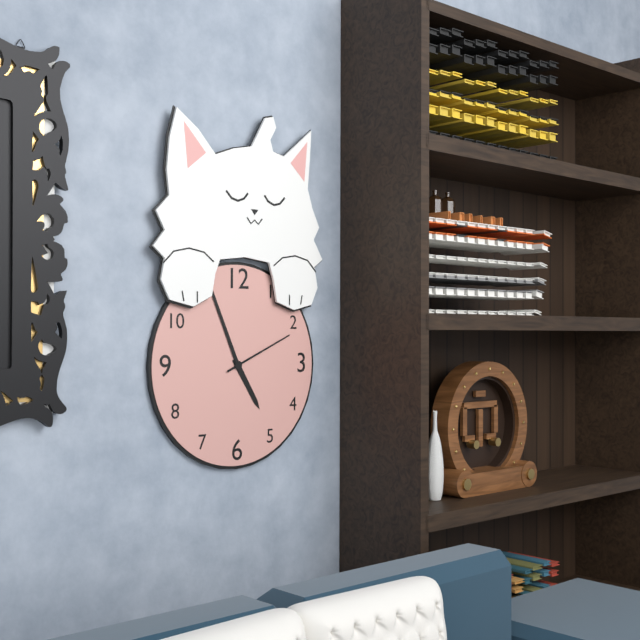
4:56:11
